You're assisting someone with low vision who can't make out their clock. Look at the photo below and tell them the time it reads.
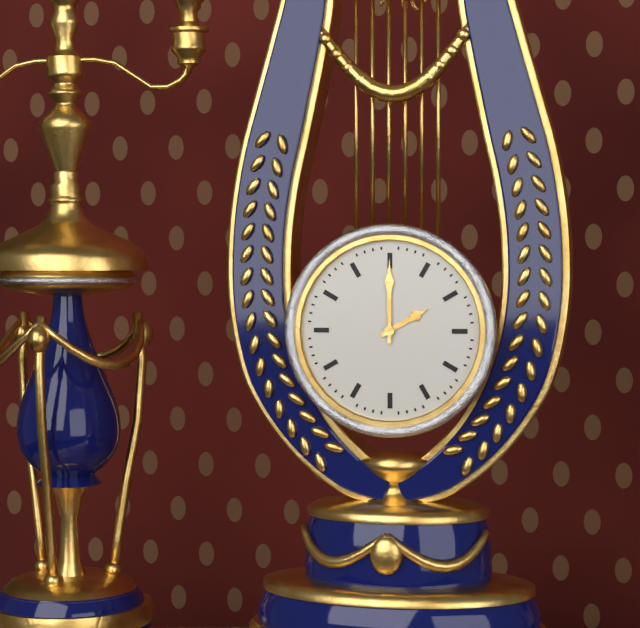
2:00
